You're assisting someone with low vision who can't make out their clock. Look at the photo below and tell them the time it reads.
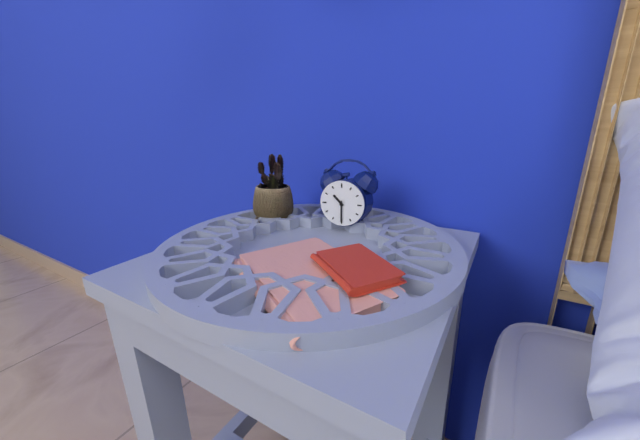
10:30
